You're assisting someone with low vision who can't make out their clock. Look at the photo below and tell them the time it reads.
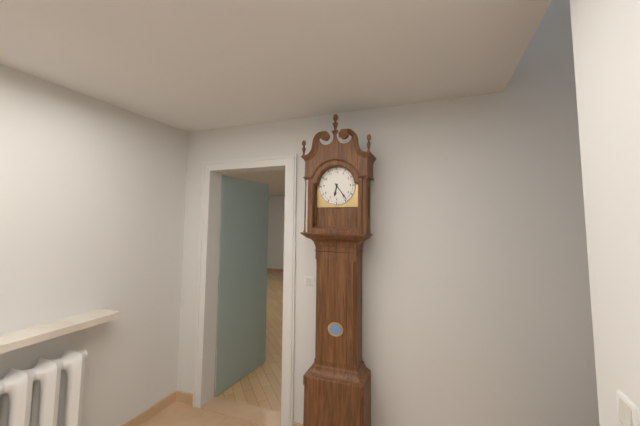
6:24
